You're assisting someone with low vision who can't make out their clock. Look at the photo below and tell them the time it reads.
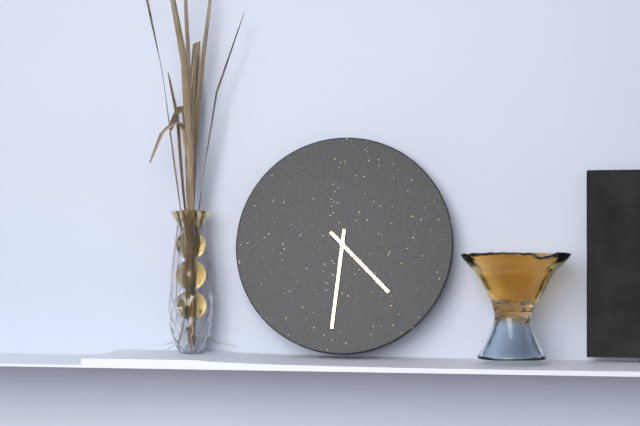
4:31
